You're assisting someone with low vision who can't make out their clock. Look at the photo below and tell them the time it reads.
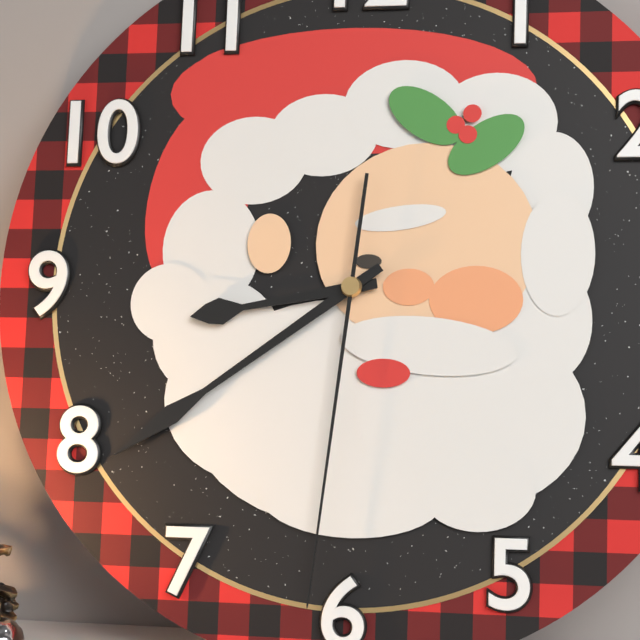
8:39:31
